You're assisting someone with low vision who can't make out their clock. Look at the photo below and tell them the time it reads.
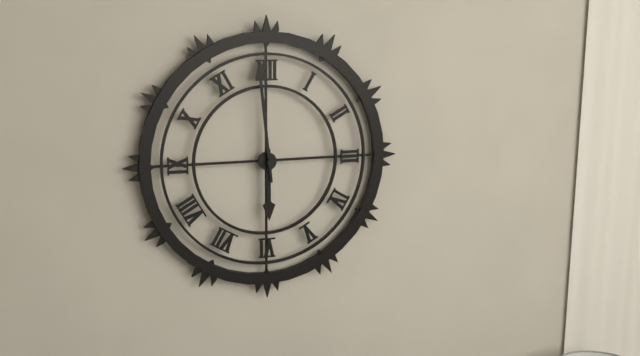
5:59
